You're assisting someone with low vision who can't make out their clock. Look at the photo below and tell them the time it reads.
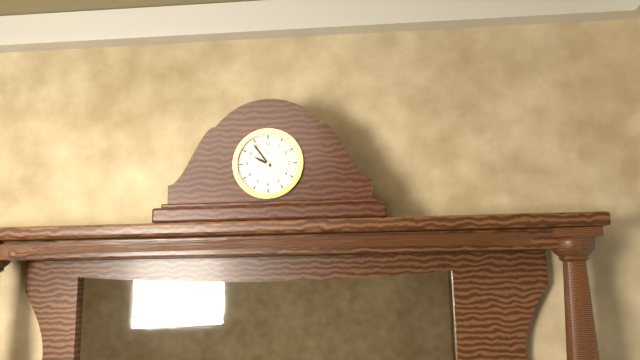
9:54
